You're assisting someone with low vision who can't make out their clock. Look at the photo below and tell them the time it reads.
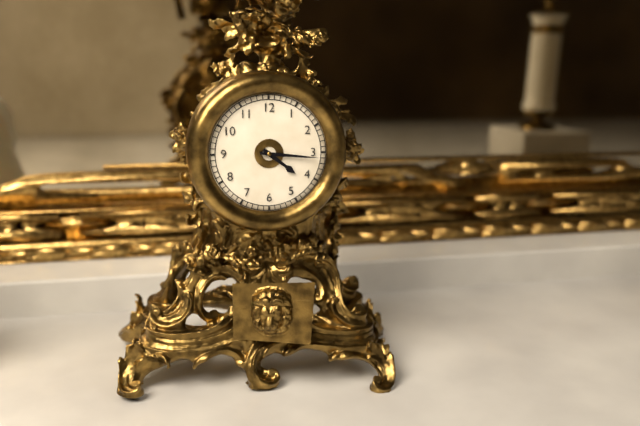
4:16
